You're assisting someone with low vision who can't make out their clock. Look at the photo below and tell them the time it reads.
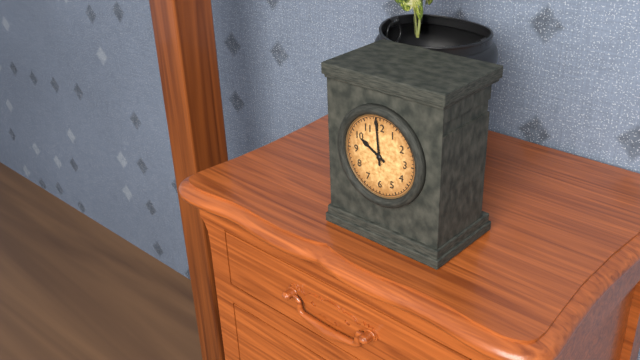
9:59
